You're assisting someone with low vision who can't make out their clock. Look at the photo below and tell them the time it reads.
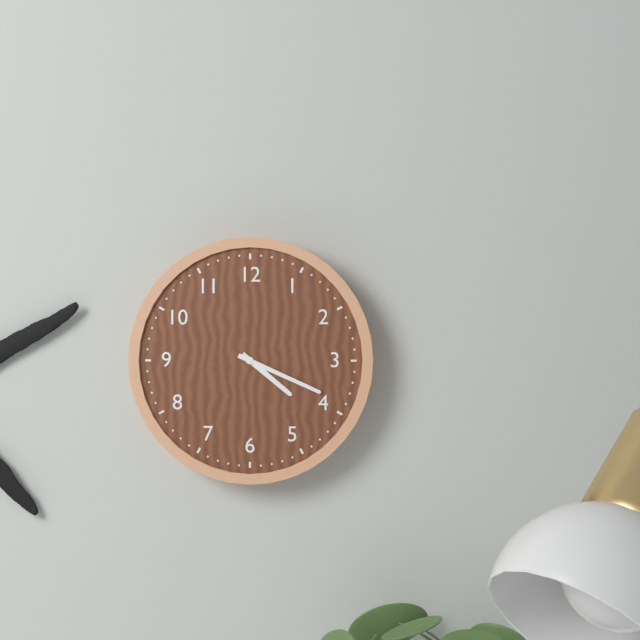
4:19
